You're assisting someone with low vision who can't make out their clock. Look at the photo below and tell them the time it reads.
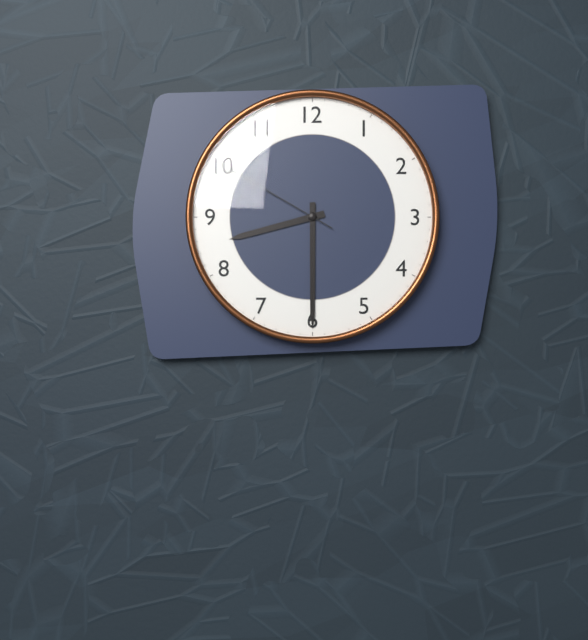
8:30:50
